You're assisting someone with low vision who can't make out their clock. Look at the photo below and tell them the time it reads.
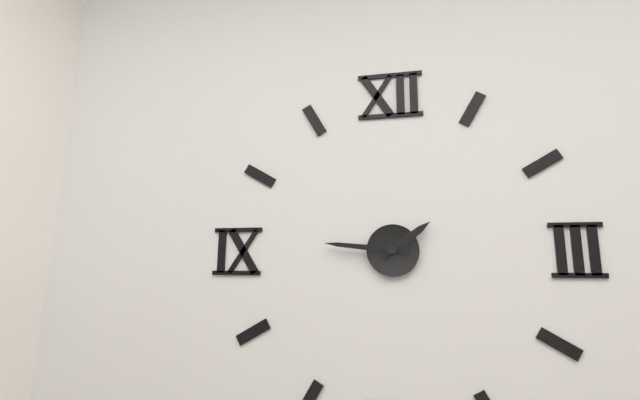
1:46
